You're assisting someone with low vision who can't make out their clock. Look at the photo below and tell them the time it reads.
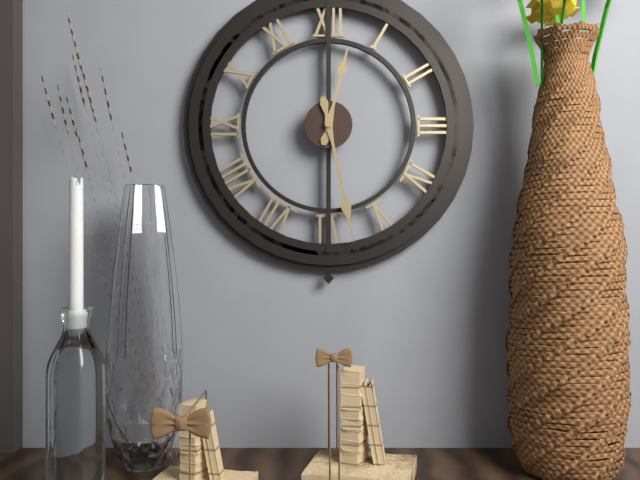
12:28
